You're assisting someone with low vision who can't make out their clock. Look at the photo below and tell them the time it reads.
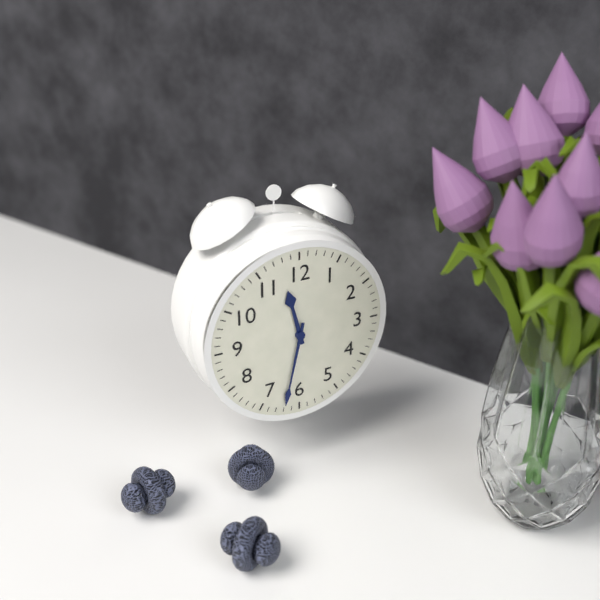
11:32
